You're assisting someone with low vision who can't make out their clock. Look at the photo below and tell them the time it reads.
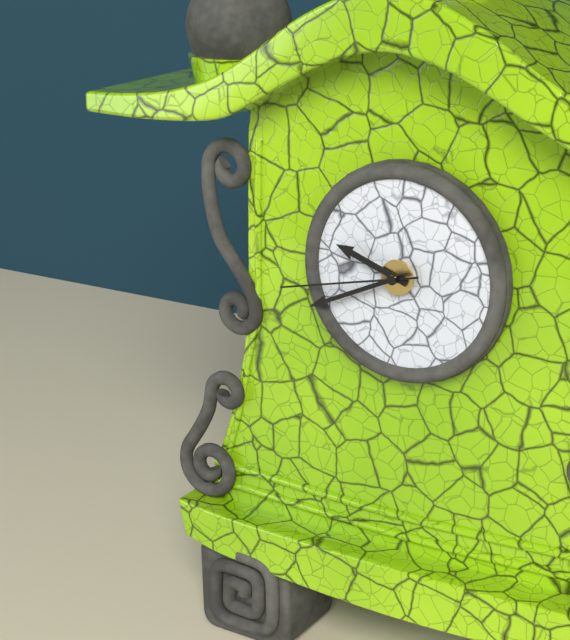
9:41:43
